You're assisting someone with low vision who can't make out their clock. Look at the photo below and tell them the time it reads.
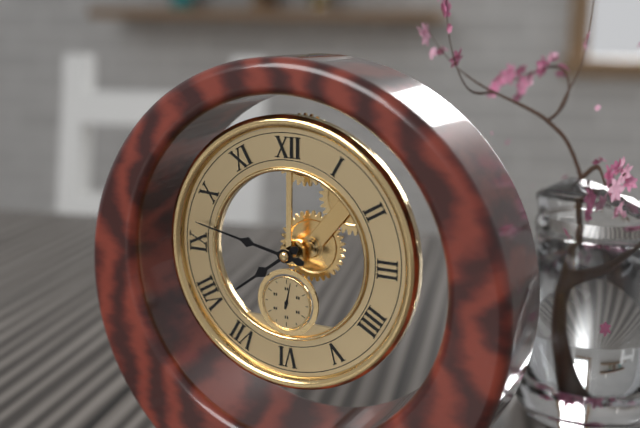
7:47
